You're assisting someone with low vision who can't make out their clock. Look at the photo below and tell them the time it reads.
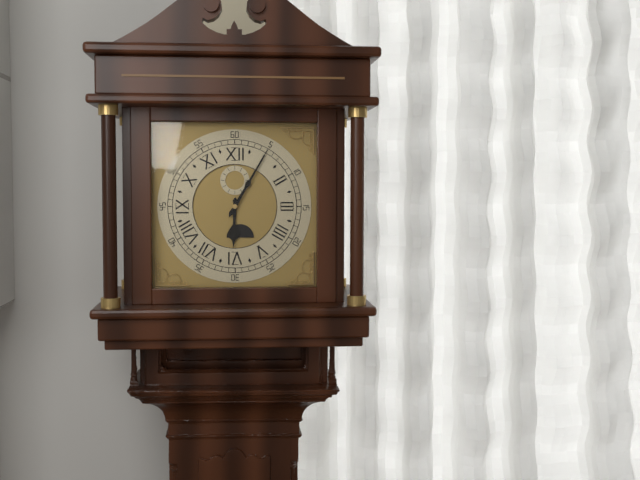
6:05
